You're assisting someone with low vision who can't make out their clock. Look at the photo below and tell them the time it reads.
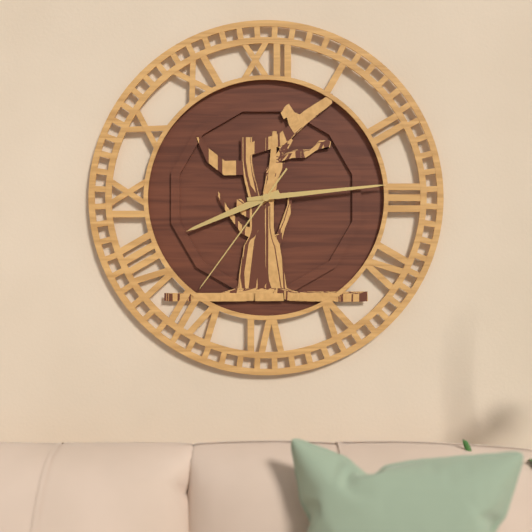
8:14:36
